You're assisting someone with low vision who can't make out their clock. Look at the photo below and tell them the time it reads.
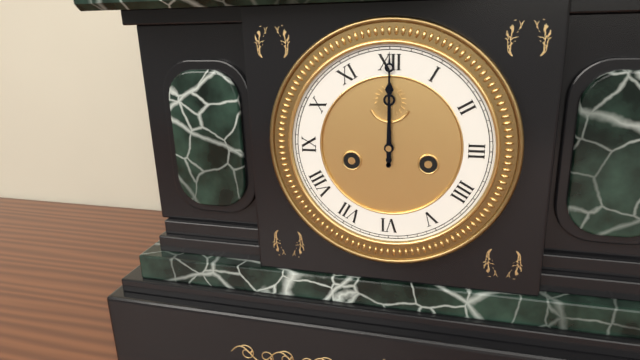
12:00
